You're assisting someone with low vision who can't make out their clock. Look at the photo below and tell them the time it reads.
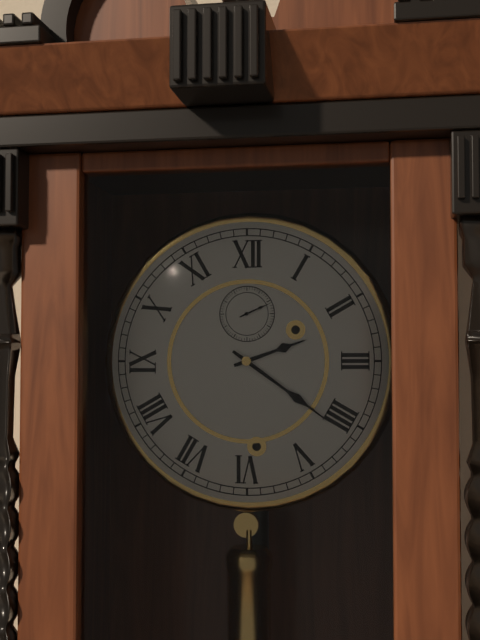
2:21
